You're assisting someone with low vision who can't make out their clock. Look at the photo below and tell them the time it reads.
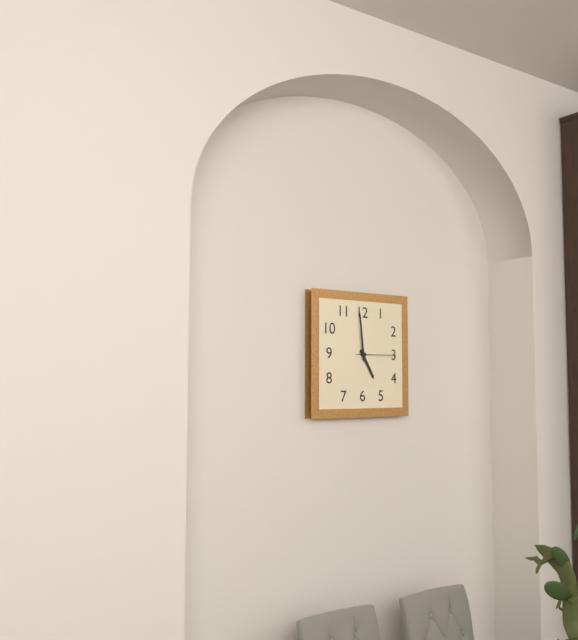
4:59
